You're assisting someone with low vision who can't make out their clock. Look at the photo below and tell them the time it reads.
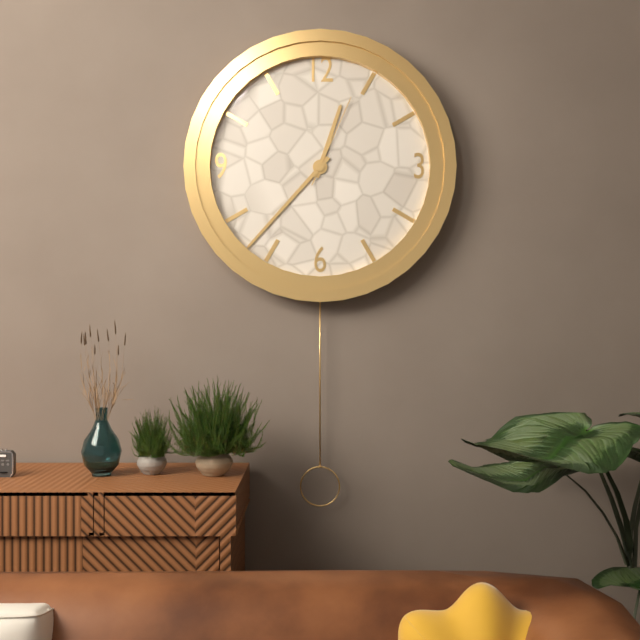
12:37:04
